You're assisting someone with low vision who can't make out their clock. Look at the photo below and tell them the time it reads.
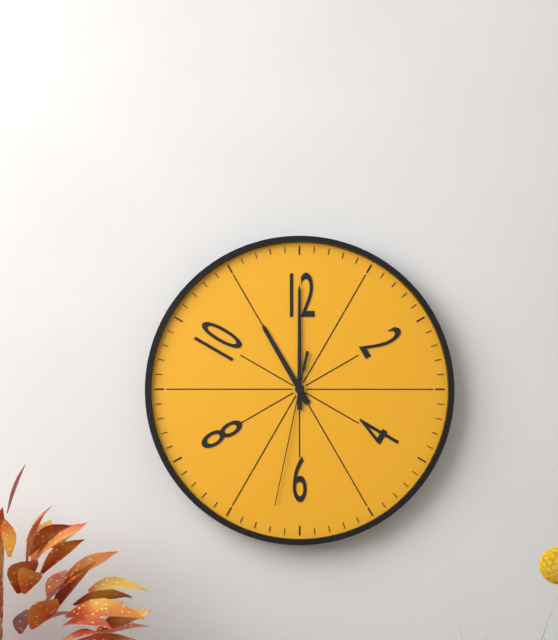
11:00:32
